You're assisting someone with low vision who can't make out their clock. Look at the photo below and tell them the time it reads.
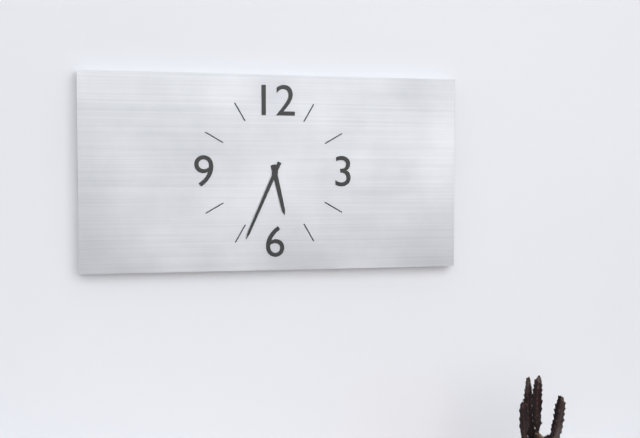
5:34
